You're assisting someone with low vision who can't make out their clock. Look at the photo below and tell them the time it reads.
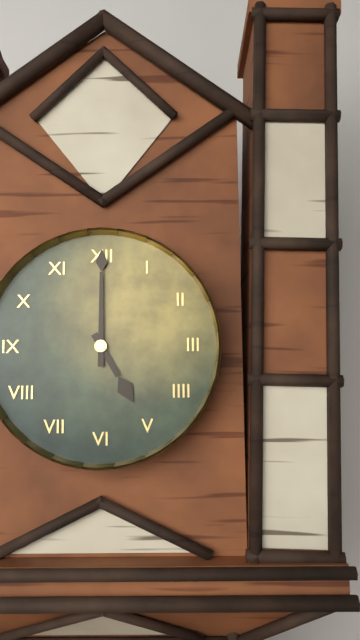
5:00
